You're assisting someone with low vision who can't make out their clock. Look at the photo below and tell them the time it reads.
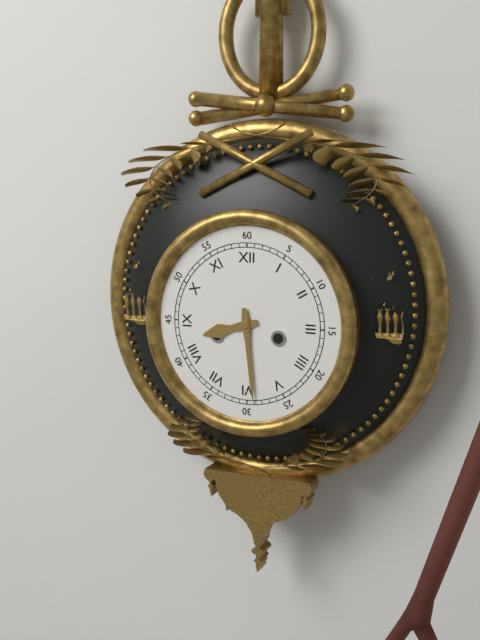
8:29
